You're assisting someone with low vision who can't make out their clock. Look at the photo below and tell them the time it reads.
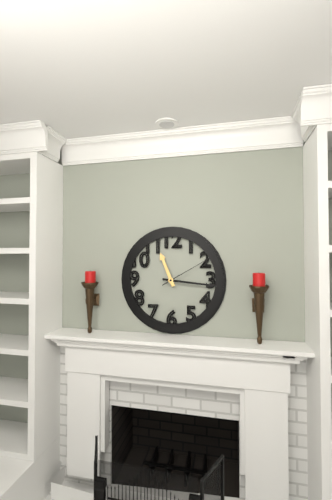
11:16:10
